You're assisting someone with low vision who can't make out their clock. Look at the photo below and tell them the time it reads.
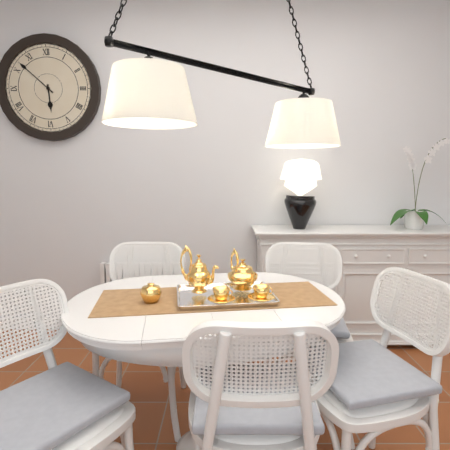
5:52
